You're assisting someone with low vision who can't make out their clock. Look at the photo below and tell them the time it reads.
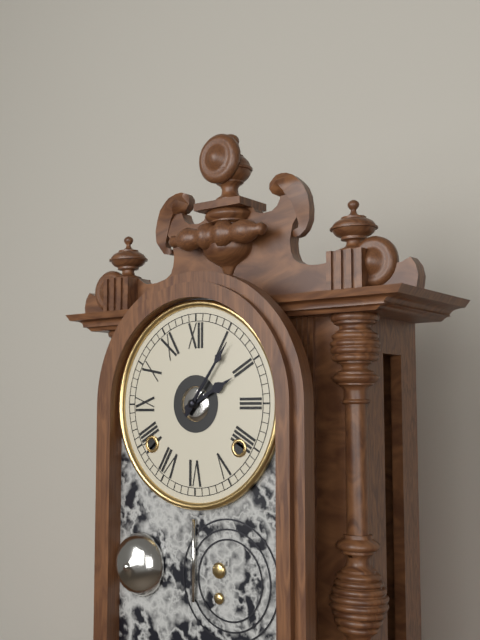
2:06
